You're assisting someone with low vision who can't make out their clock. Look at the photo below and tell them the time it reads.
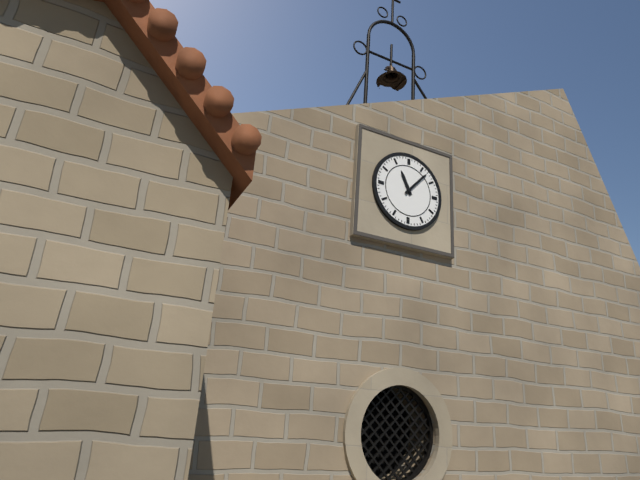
11:07
